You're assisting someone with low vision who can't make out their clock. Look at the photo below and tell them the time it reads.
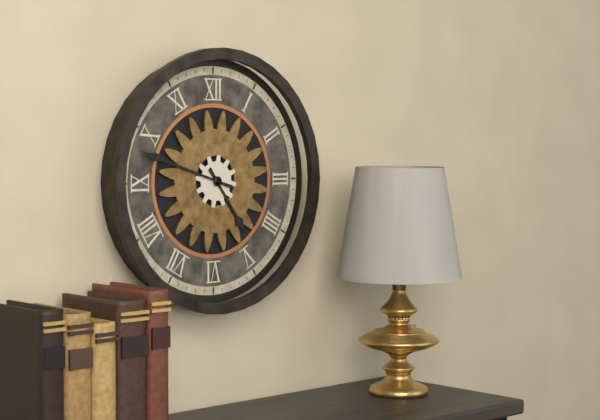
4:48
